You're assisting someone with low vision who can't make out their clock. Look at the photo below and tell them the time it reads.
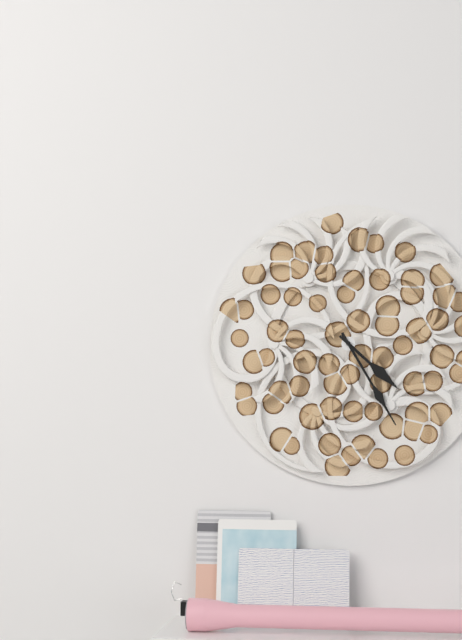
4:25
